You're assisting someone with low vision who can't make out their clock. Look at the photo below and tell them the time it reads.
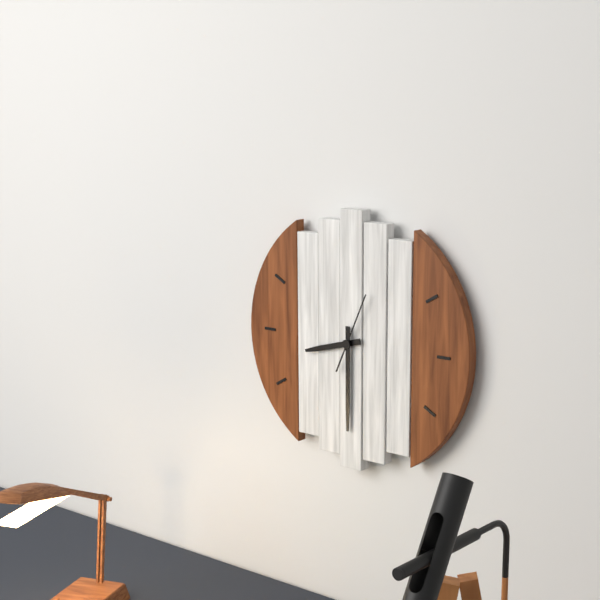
8:30:04
